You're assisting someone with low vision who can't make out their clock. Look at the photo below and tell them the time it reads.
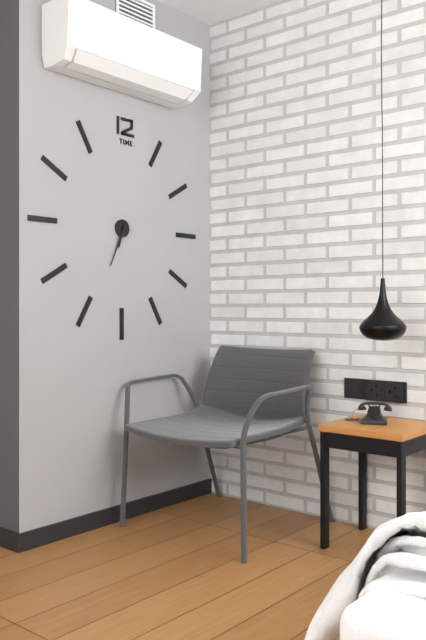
6:34
